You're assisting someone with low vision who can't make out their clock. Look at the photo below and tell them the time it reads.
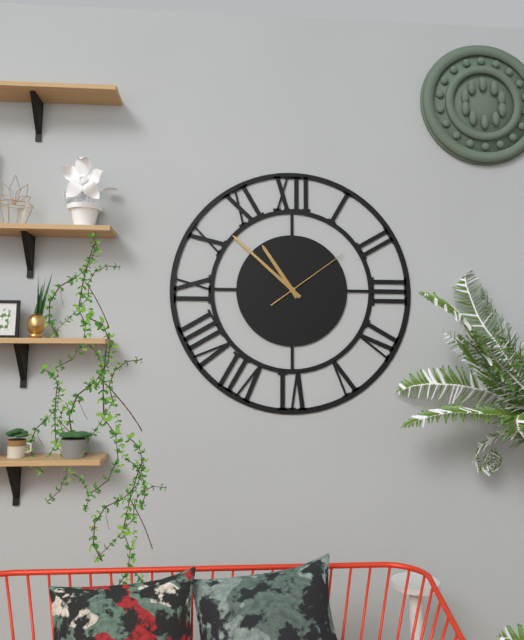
10:52:09
